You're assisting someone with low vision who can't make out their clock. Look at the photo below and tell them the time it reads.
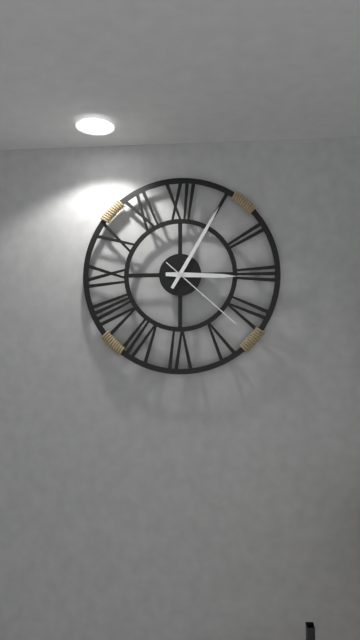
3:05:22
